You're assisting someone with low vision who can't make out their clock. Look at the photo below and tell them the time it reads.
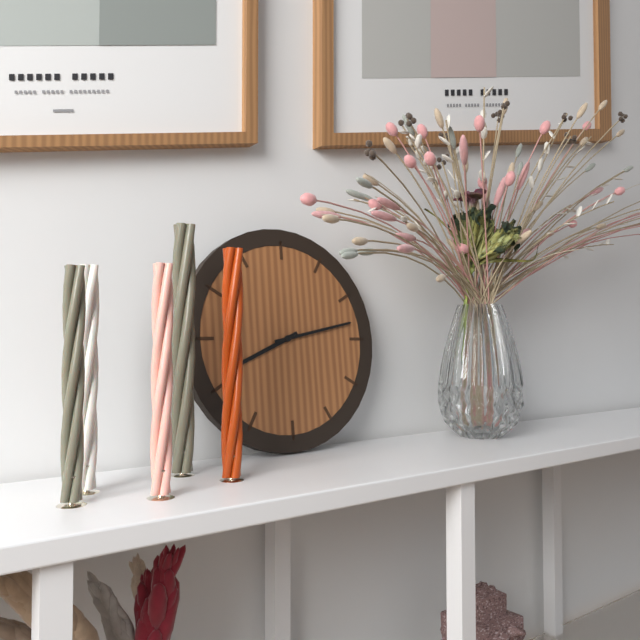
8:13
